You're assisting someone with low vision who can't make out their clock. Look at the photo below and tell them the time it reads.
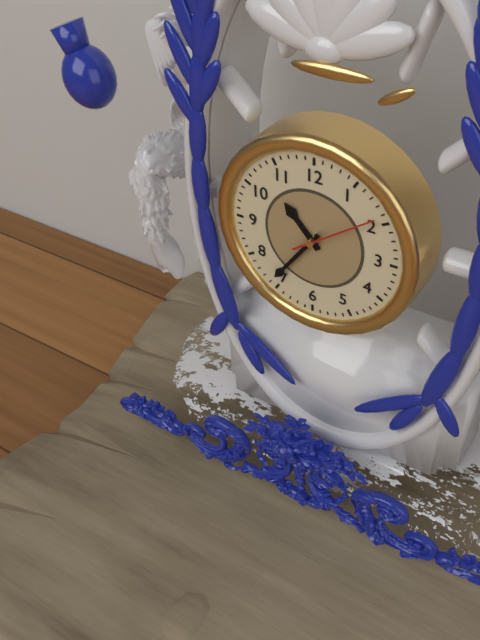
10:36:09
